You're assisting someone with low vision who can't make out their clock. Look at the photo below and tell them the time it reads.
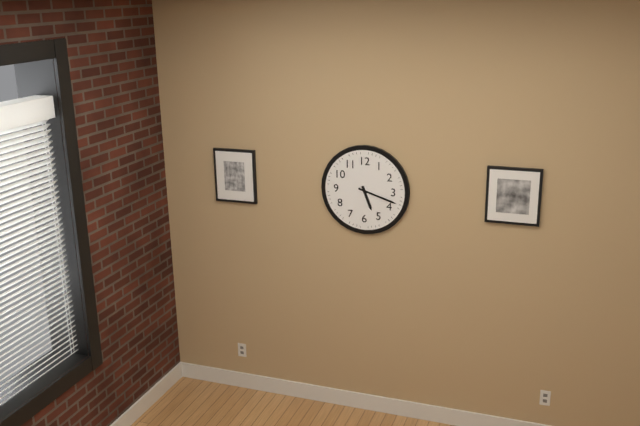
5:18
